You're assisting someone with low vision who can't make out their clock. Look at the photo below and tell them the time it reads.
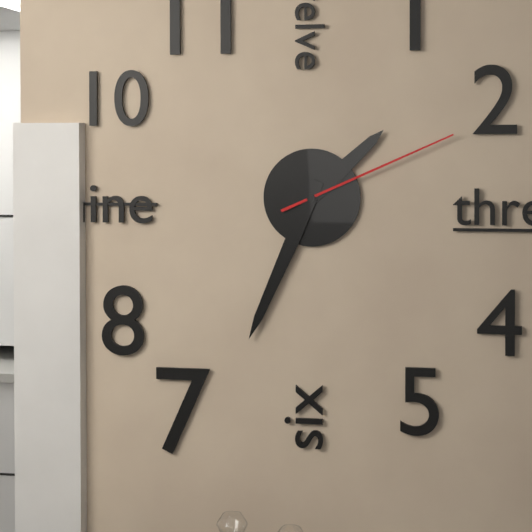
1:34:11
